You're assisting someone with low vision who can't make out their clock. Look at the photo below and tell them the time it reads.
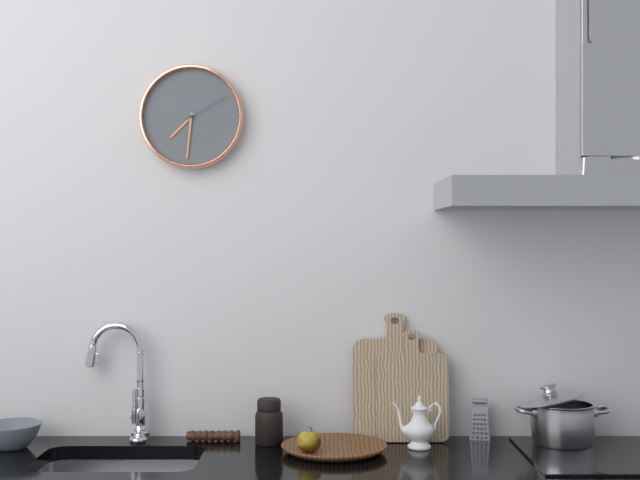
7:31:10
